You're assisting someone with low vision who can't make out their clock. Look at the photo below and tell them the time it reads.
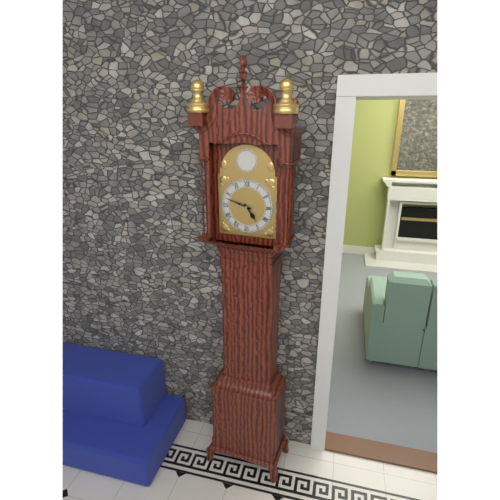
4:48
